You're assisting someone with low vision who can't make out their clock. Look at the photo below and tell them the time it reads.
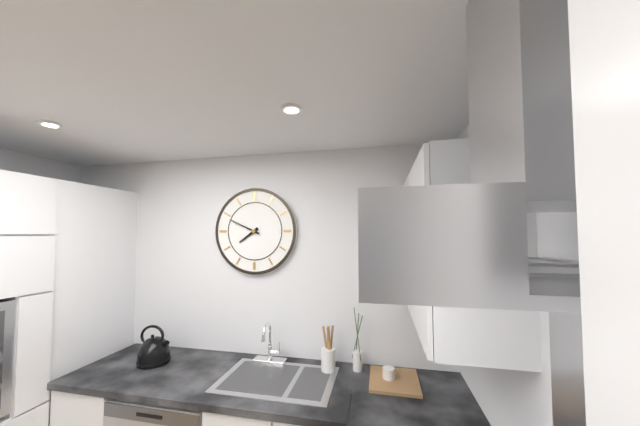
7:49
